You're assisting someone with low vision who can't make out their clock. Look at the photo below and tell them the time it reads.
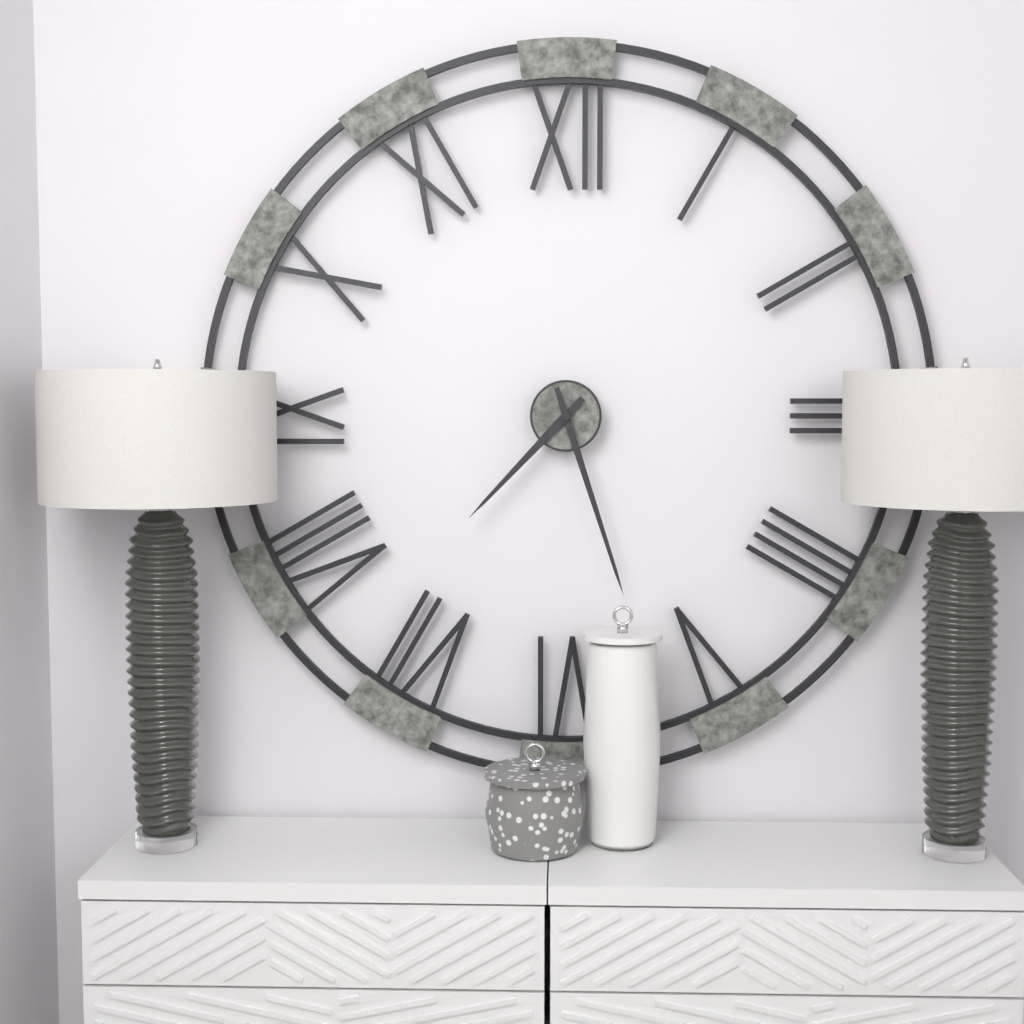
7:27
